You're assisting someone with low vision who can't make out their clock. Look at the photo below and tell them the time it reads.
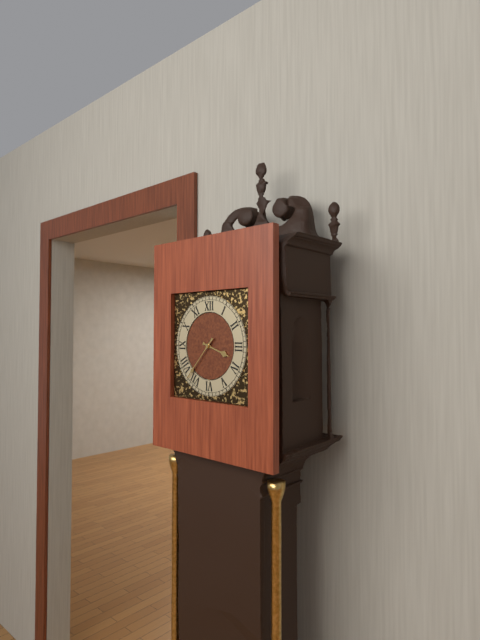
3:37
